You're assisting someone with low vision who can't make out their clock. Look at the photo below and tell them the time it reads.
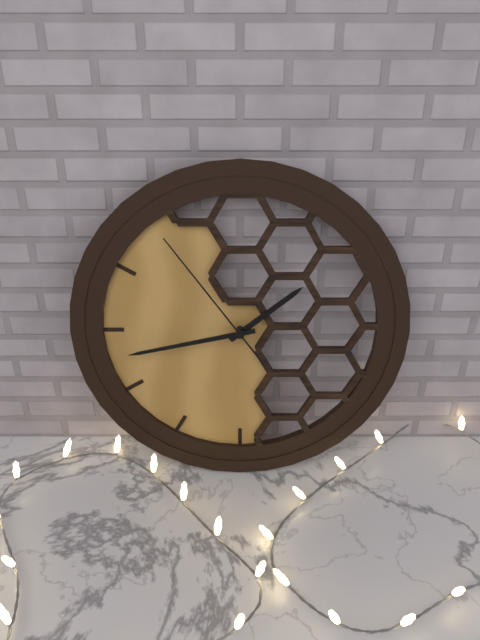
1:43:54
